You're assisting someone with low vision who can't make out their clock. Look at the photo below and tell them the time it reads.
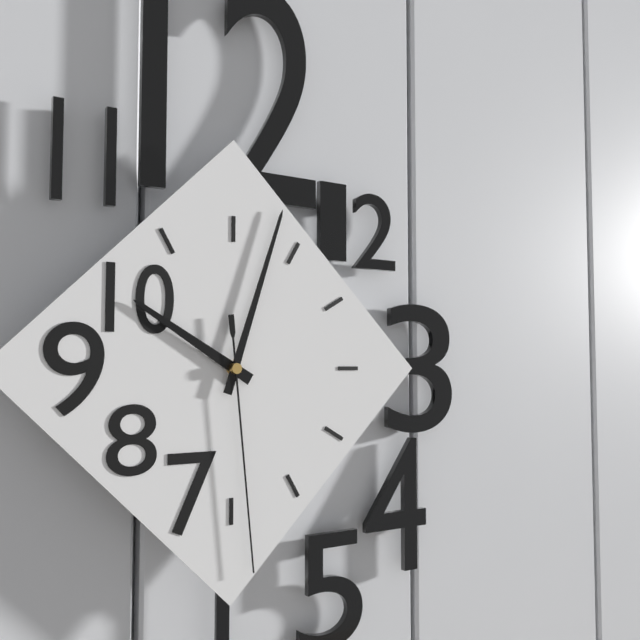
10:03:29
